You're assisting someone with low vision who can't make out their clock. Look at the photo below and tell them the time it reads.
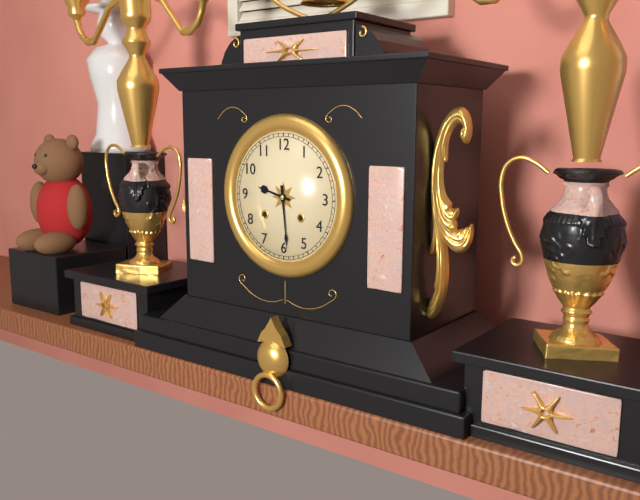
9:29
